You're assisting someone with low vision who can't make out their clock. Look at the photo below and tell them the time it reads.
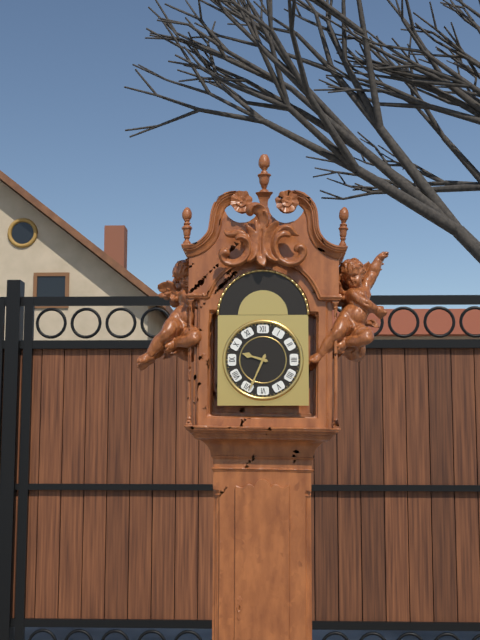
9:34
